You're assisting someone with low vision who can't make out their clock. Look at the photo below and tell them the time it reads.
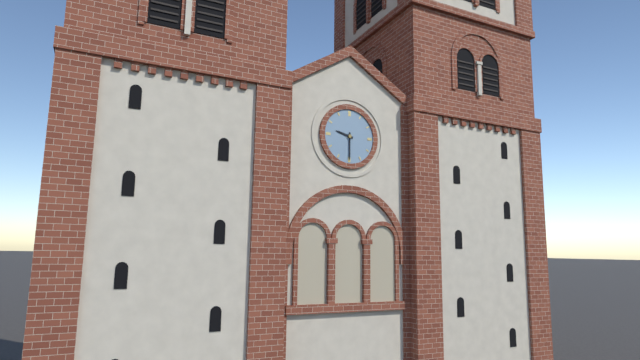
9:30
